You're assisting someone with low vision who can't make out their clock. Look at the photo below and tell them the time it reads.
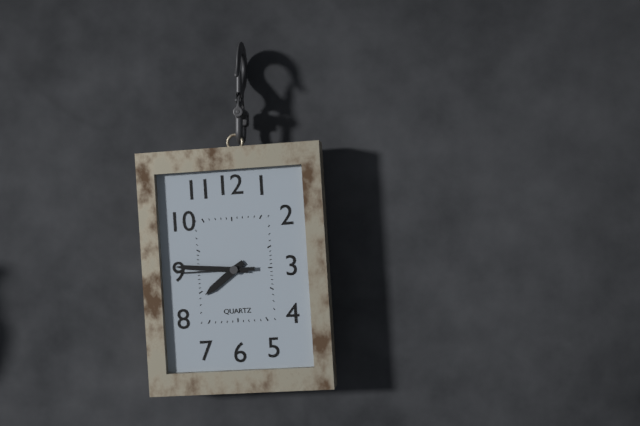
7:46:45
